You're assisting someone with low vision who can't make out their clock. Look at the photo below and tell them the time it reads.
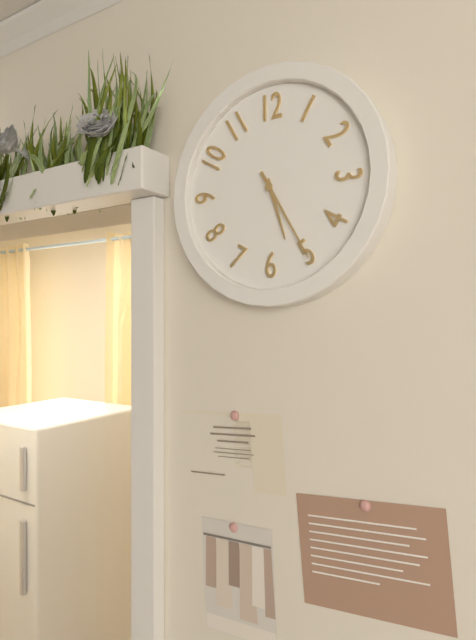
5:25
